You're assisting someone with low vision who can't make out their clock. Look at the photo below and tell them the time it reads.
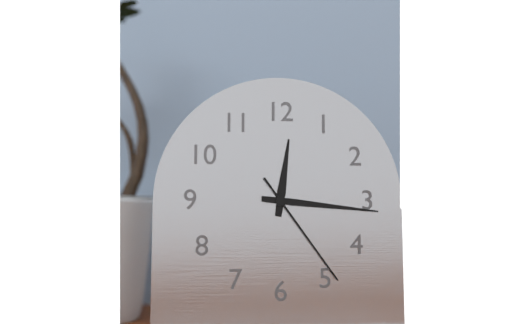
12:16:24
